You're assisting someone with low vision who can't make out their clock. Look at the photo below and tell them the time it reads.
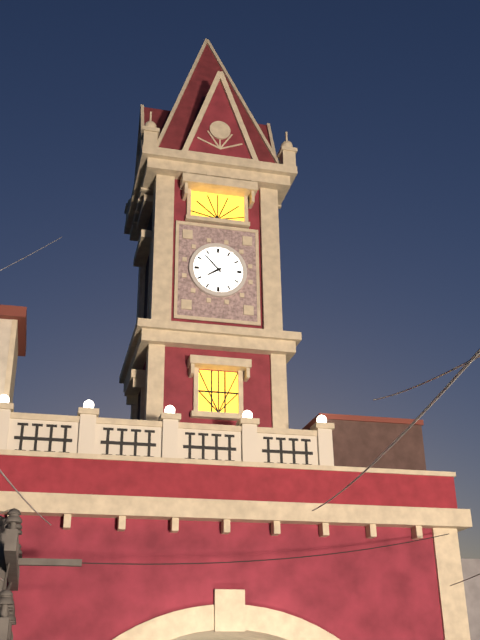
7:53
